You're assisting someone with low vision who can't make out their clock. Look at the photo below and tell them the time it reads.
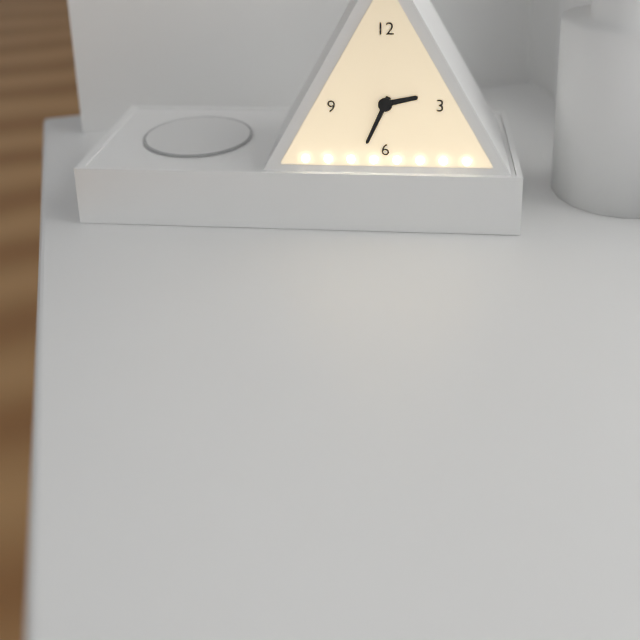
2:34
